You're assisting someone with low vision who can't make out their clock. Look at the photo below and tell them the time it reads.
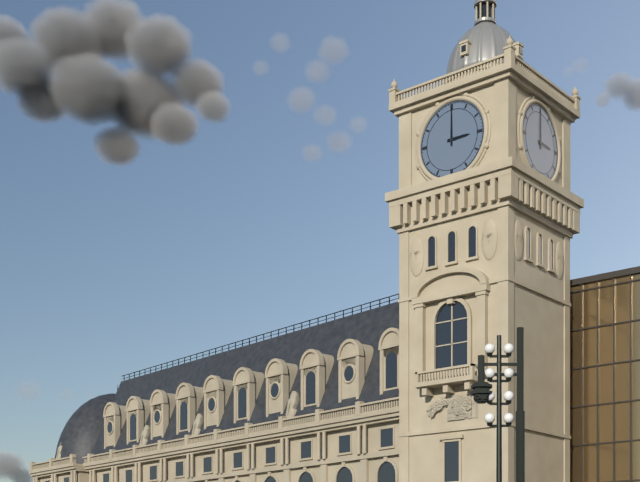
3:00
